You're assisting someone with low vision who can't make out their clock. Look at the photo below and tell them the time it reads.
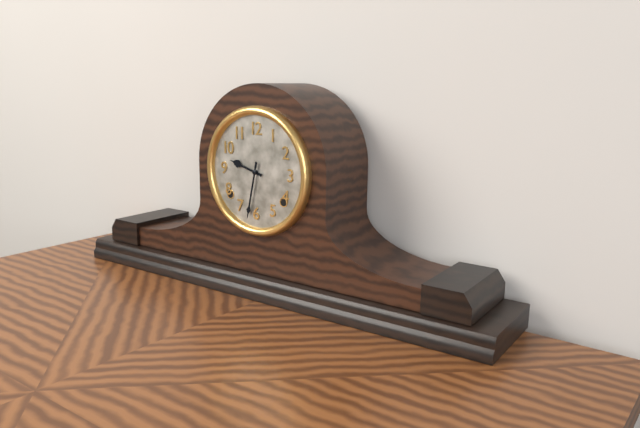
9:32
